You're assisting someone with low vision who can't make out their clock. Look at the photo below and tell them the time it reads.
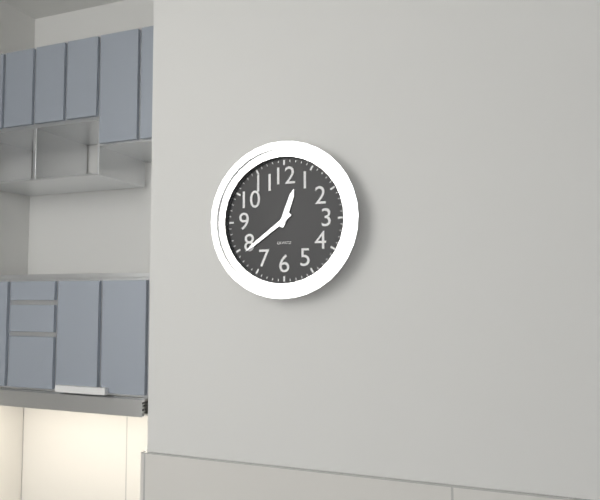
12:39
